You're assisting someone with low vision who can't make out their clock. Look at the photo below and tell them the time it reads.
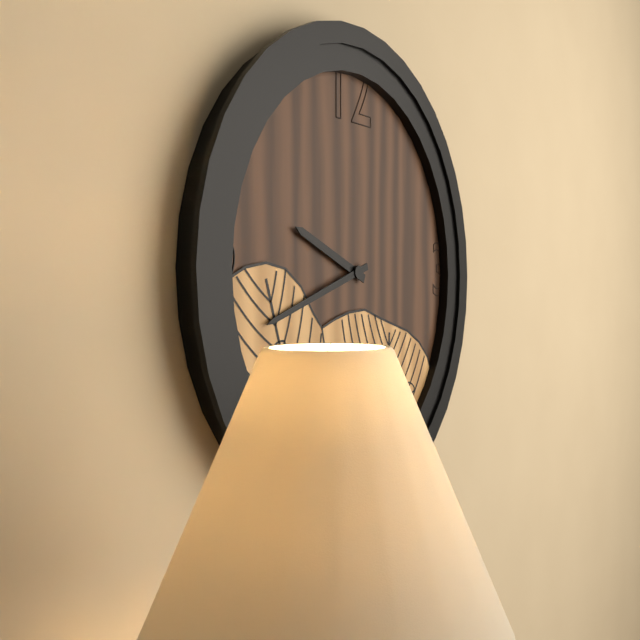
9:42
